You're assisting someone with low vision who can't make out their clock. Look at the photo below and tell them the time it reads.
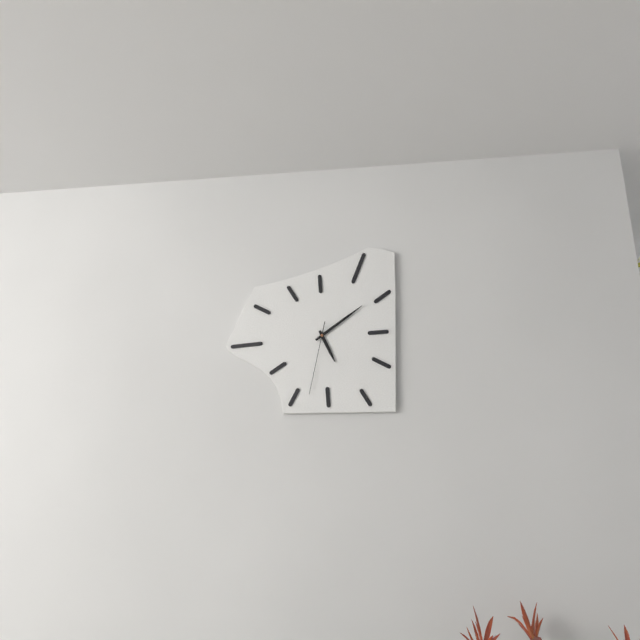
5:09:32
